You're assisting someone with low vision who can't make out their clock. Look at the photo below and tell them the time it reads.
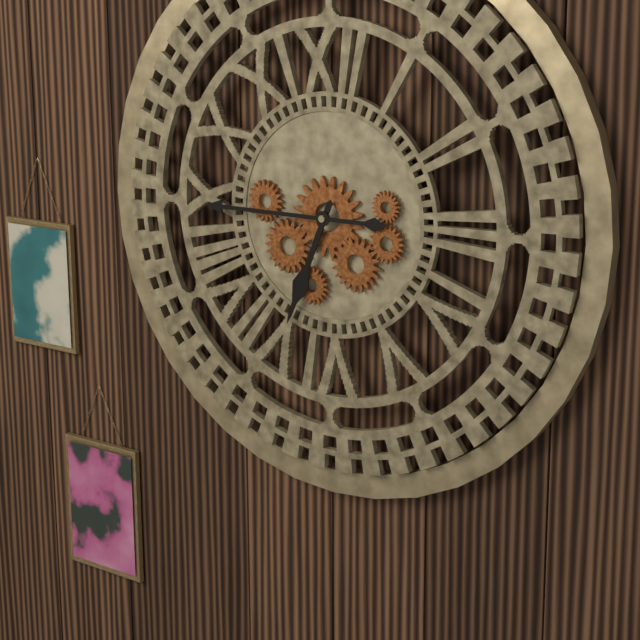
6:45
